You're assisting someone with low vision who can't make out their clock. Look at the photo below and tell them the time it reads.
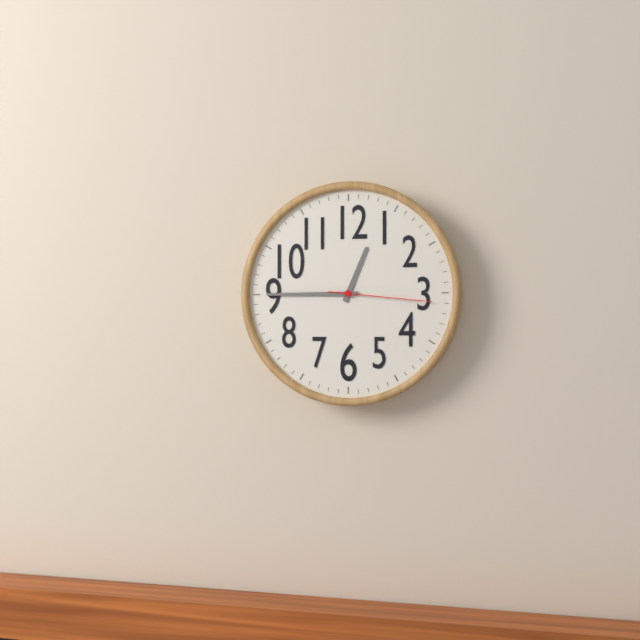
12:45:16
